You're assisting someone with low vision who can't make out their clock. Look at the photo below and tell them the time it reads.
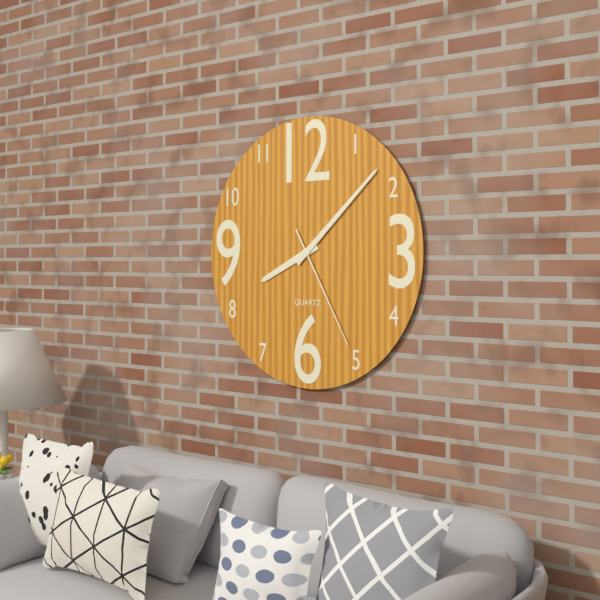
8:08:25
